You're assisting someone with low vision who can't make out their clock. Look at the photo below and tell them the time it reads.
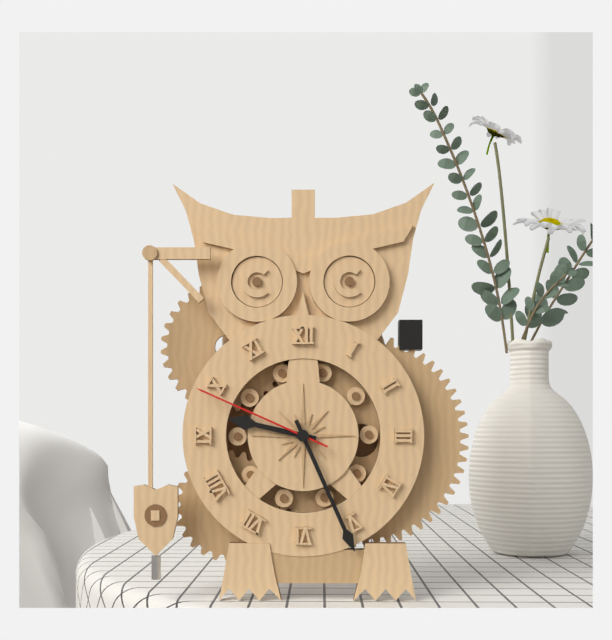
9:26:49
